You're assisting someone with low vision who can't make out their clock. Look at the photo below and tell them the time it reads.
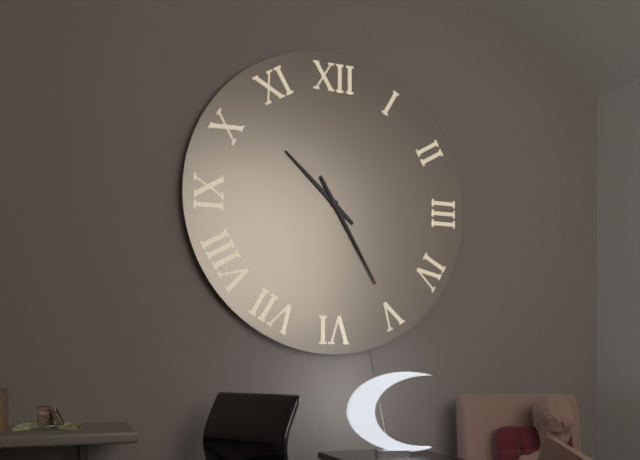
10:25
